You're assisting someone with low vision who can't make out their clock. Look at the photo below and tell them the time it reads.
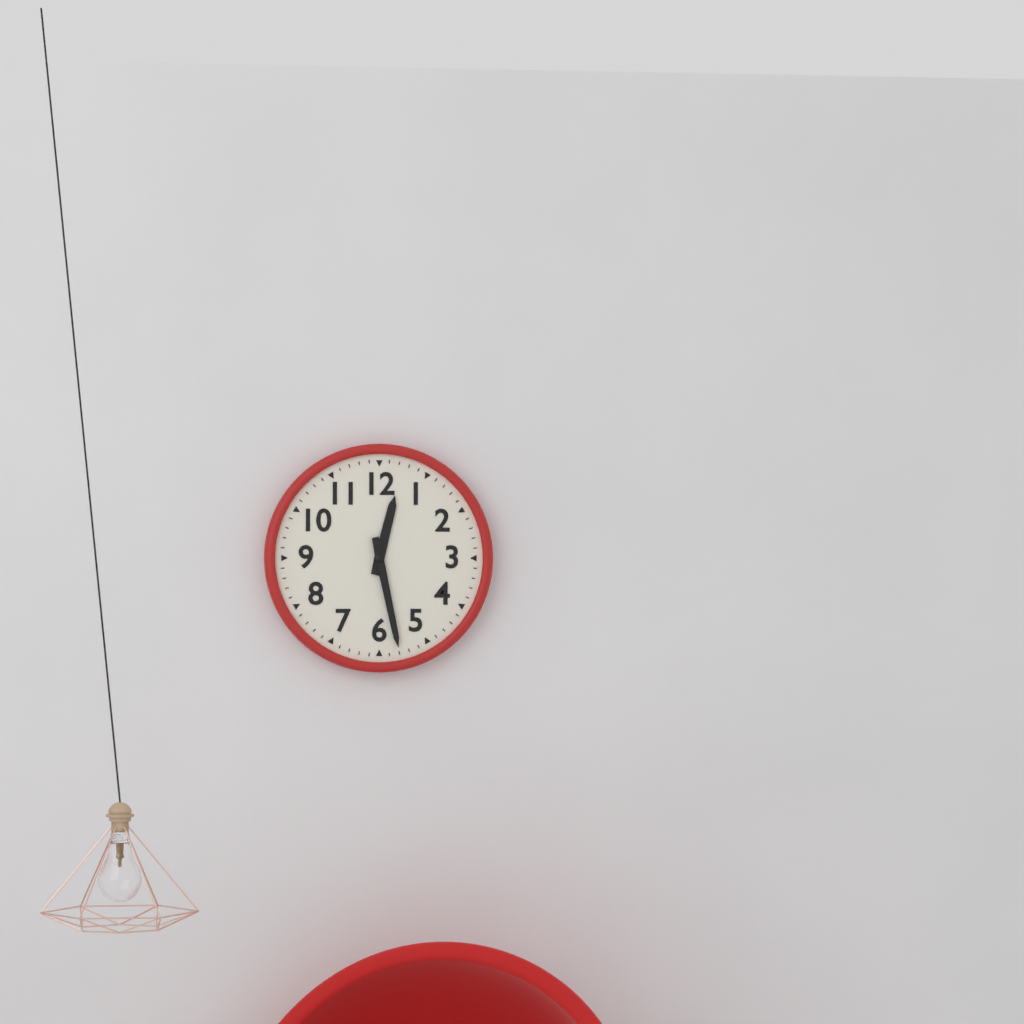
12:28
